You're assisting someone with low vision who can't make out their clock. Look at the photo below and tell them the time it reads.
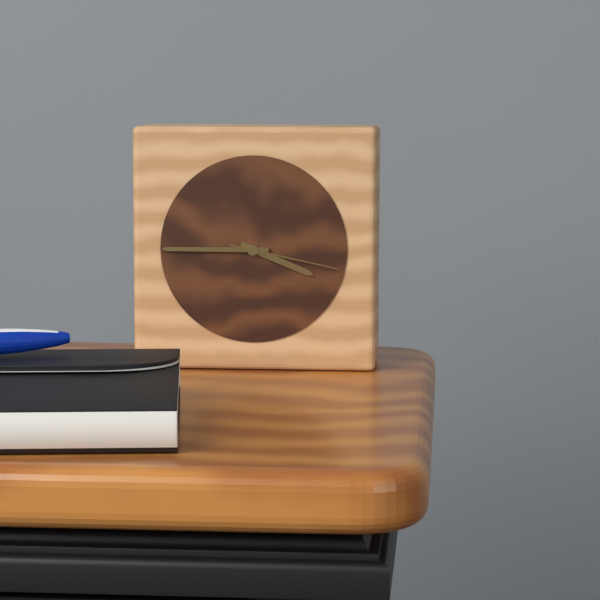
3:45:17
